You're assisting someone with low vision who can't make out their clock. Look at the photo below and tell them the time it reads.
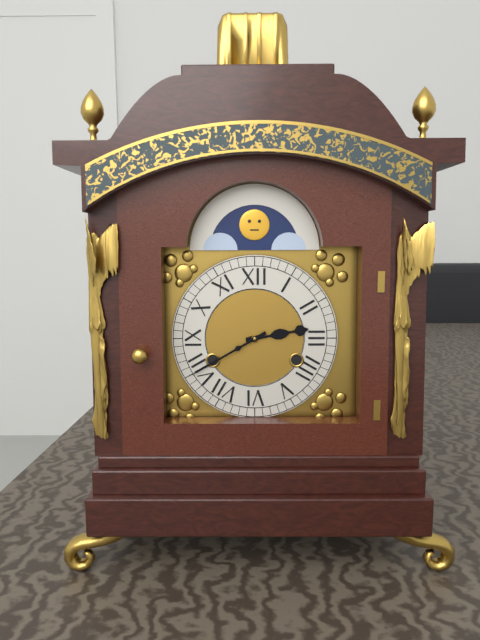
2:40
